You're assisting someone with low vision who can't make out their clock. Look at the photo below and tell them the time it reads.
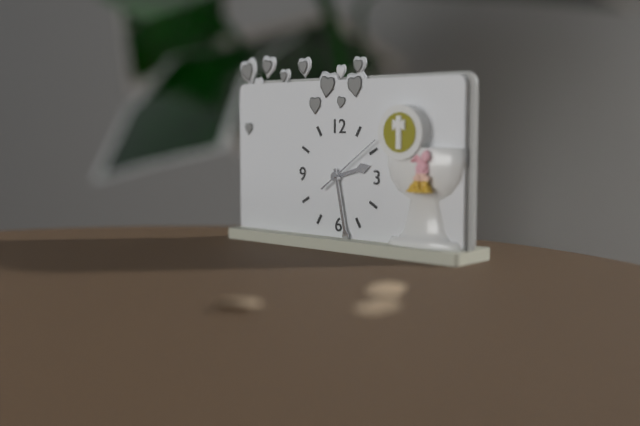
2:28:09
